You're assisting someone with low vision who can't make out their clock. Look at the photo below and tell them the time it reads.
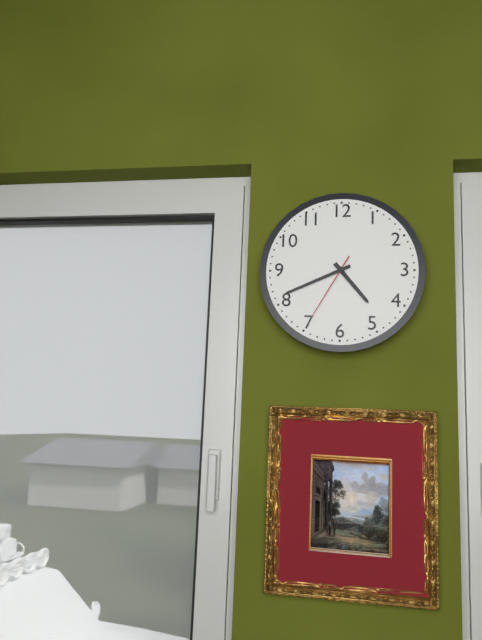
4:41:35
